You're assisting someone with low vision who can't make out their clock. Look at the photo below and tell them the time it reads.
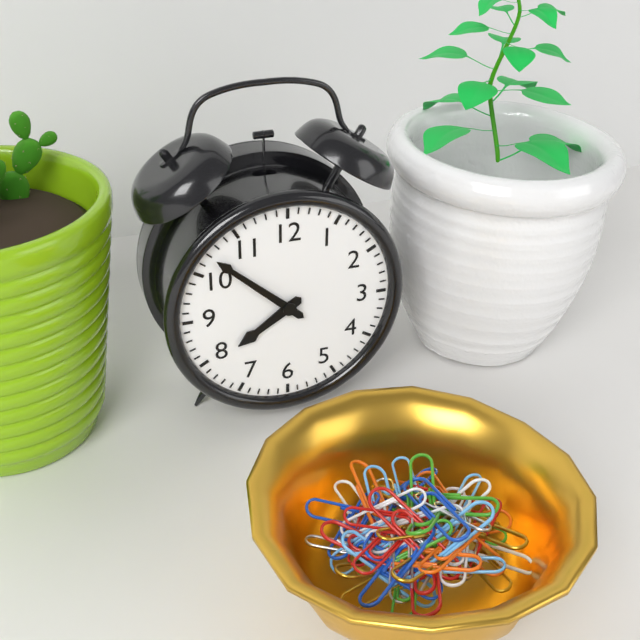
7:52
